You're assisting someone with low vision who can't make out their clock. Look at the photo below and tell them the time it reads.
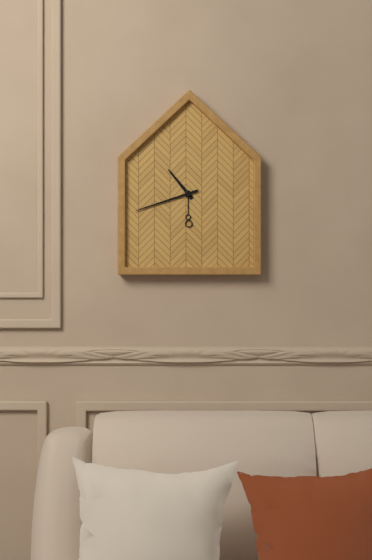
10:42
